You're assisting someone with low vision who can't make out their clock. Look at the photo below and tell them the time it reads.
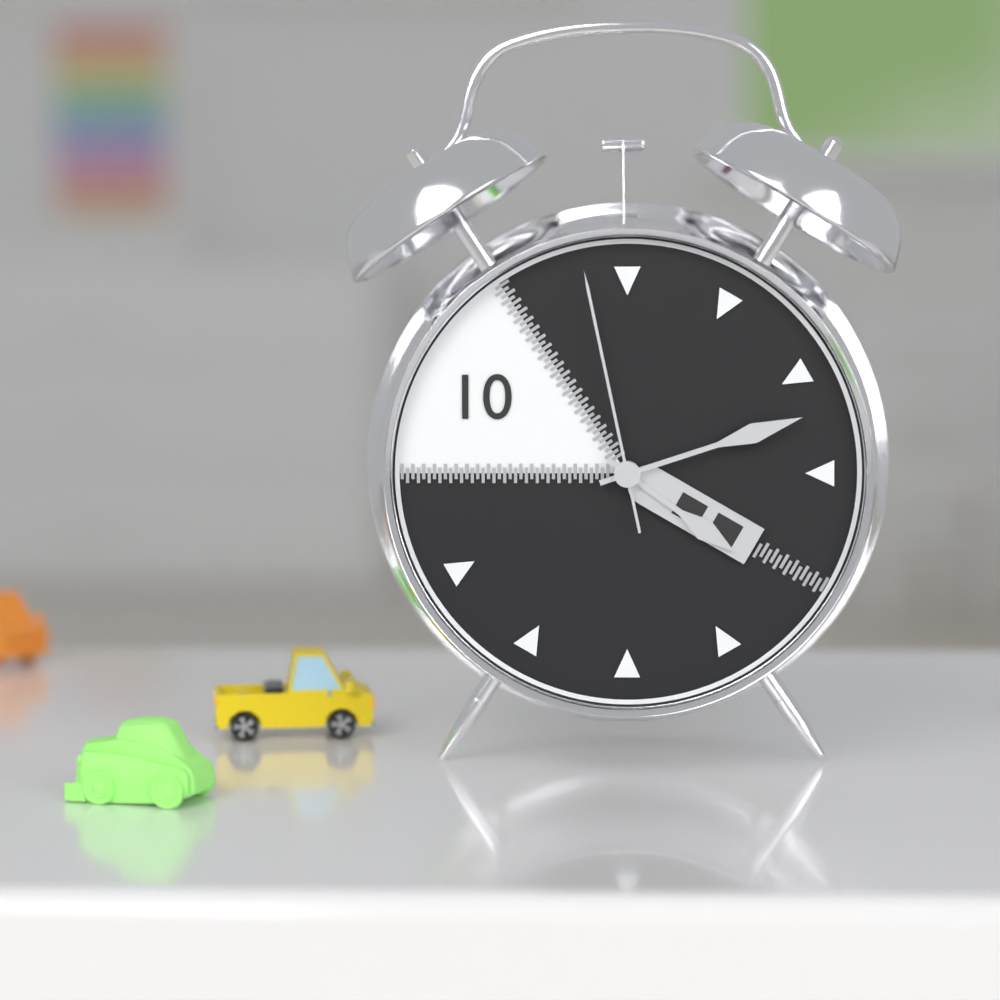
4:12:58
